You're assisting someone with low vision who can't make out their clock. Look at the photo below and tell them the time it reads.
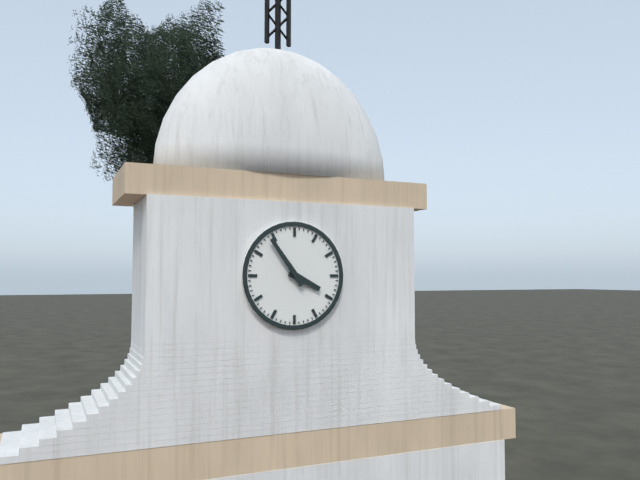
3:54
